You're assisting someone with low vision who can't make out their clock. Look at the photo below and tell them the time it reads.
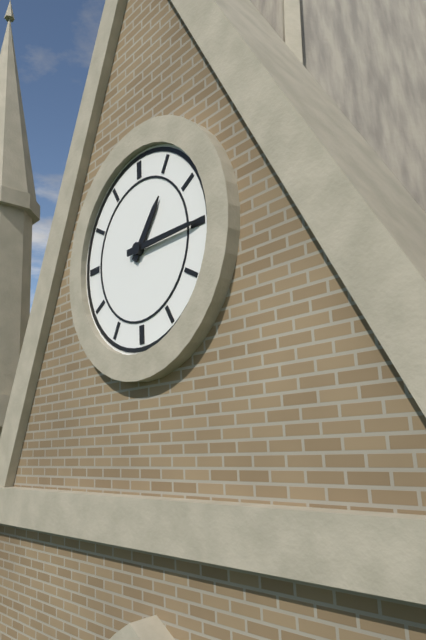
1:15
